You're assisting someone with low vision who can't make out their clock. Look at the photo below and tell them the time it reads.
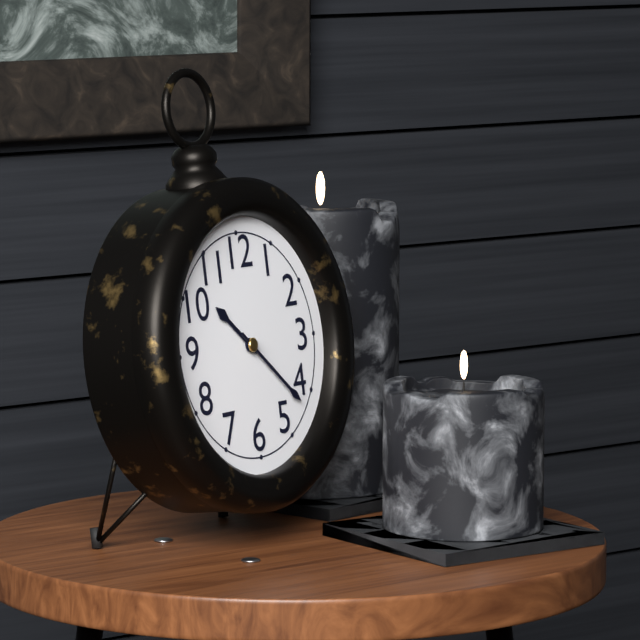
10:22
